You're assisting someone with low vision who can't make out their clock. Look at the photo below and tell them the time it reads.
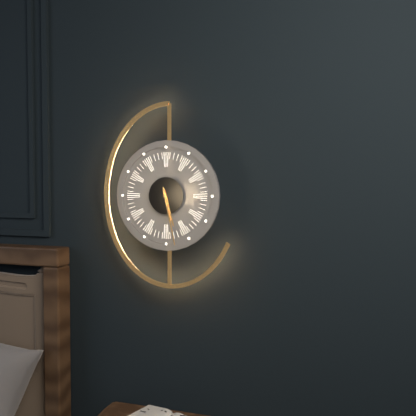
5:28
